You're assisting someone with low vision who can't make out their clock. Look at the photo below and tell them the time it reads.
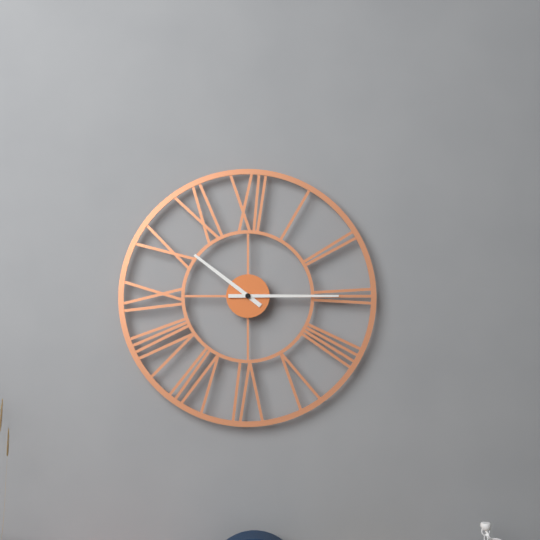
10:15
